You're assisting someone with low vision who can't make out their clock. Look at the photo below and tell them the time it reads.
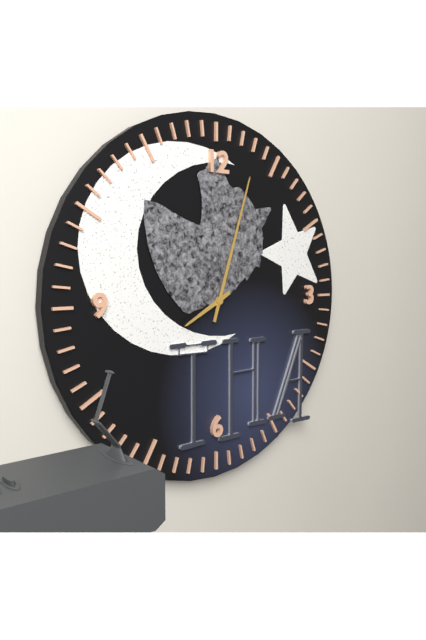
8:03
